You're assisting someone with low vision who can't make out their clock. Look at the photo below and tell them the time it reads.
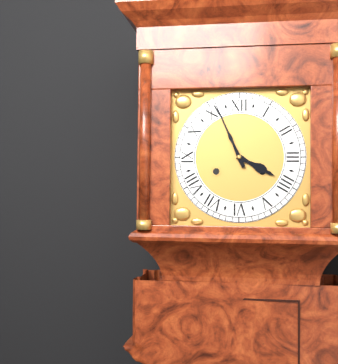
3:56
